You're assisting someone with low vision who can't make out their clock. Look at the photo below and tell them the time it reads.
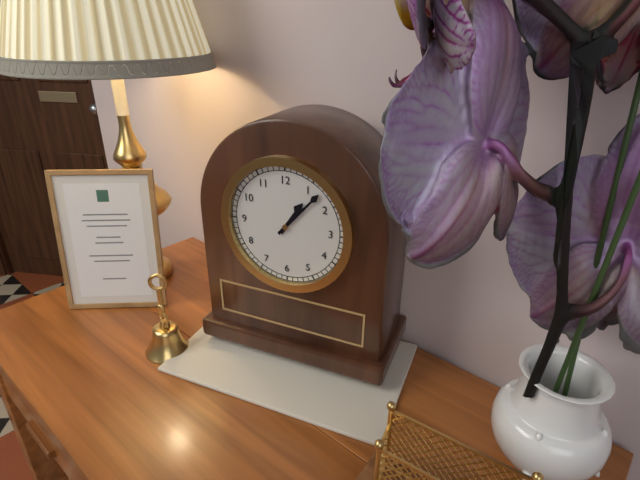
1:07
